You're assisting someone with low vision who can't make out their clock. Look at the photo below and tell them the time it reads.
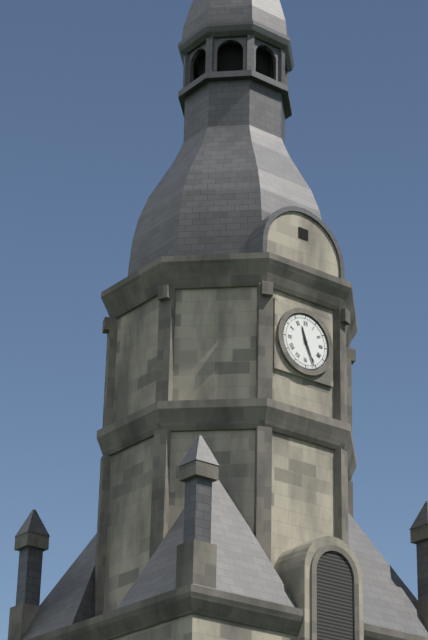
11:26
